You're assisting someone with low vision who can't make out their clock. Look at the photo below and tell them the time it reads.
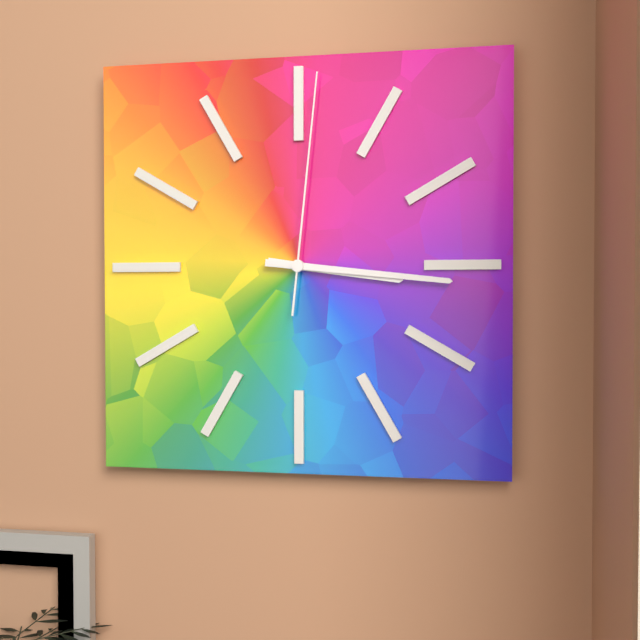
3:16:01
